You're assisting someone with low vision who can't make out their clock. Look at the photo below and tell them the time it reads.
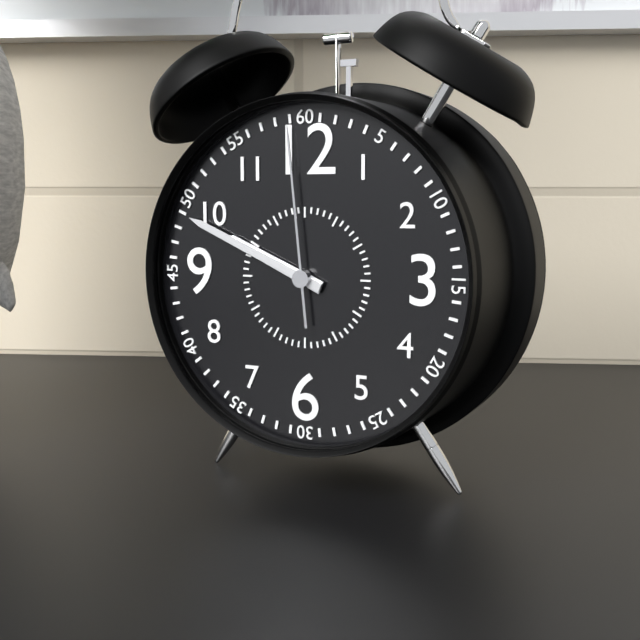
9:49:59
